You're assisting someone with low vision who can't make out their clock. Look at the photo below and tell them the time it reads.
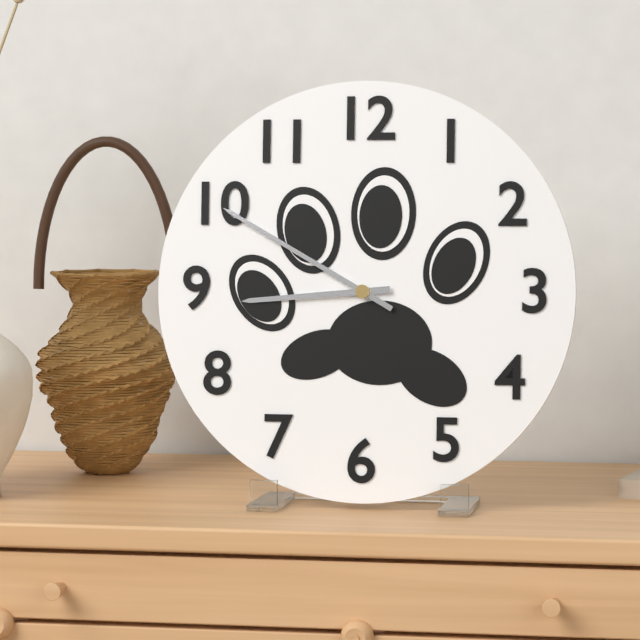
8:50
